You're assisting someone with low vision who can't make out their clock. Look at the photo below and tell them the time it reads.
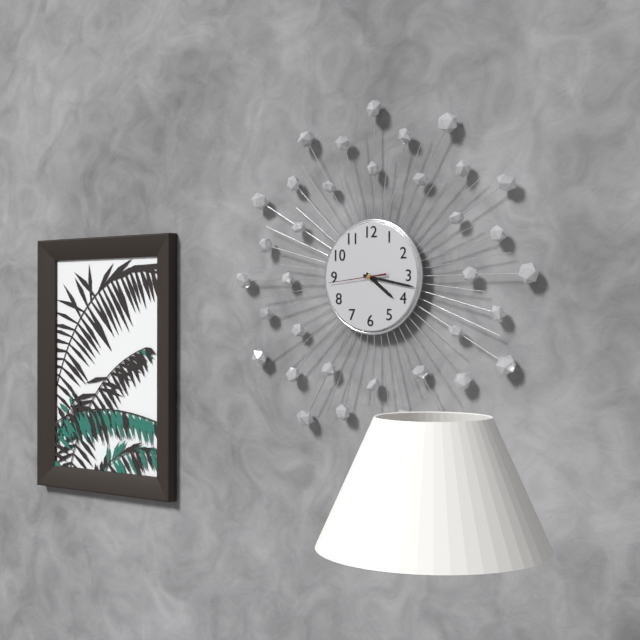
4:17:44
